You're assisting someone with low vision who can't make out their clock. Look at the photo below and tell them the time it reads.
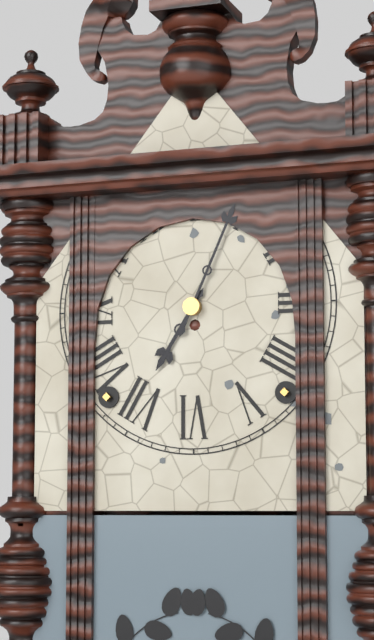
7:04
